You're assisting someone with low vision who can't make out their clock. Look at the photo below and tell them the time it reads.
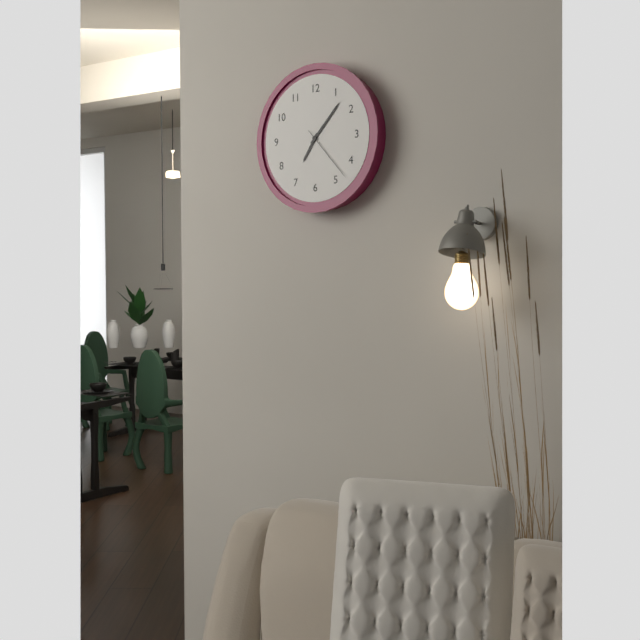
7:07:23
